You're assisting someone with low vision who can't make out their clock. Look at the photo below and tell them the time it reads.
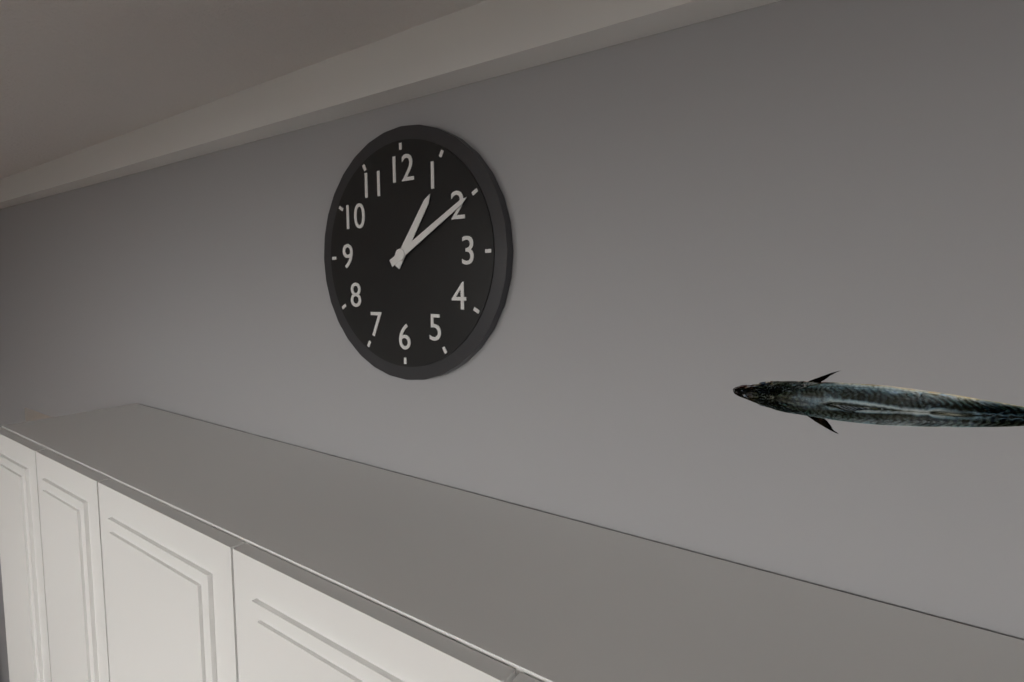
1:10
